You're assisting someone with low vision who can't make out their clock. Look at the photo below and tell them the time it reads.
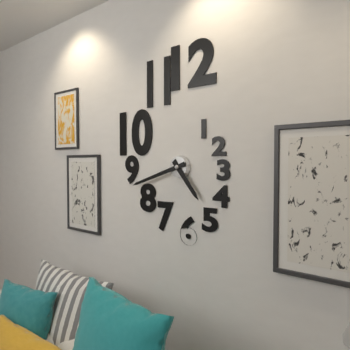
4:42
